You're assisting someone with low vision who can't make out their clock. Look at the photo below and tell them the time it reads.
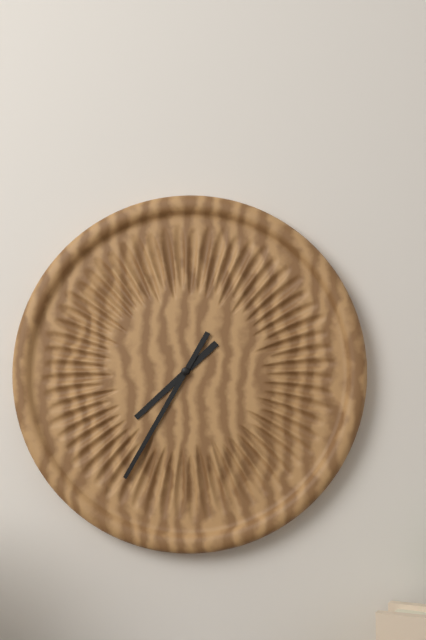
7:35
